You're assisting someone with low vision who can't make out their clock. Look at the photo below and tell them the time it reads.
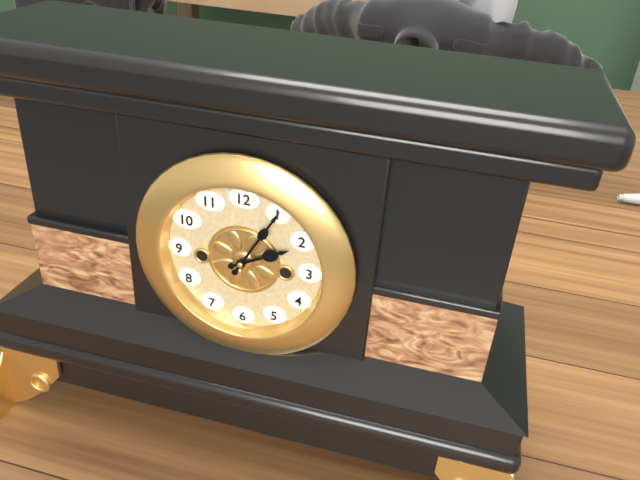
2:05
